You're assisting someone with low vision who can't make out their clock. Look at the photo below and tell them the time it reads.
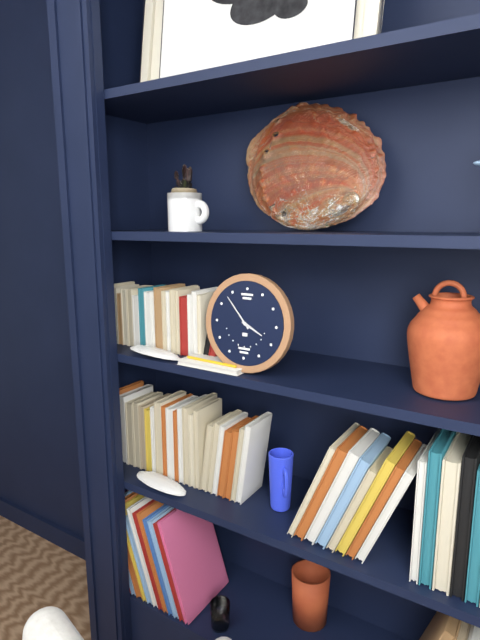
3:53
